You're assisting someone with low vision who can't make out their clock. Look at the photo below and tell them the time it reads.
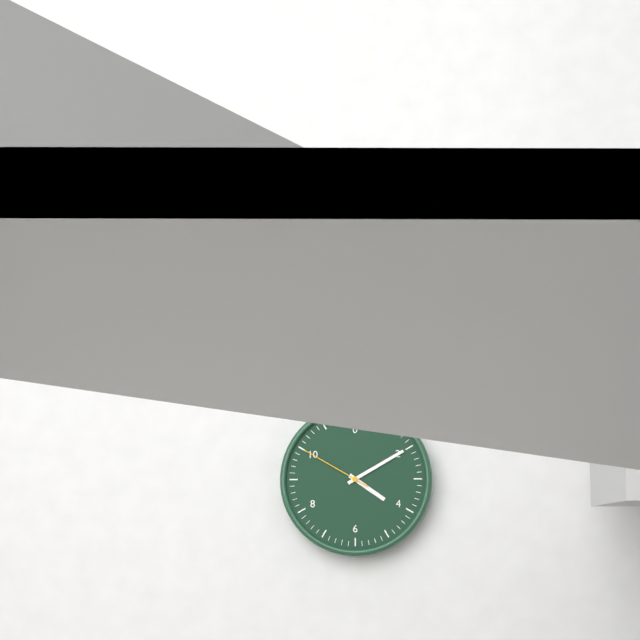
4:10:50
